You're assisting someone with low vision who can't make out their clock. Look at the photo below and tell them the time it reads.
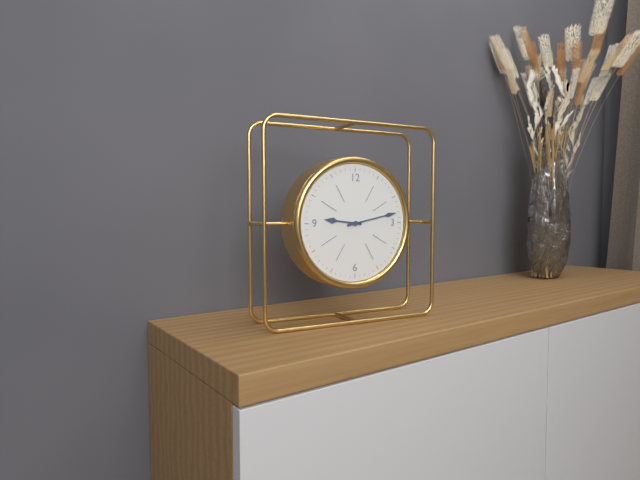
9:13
